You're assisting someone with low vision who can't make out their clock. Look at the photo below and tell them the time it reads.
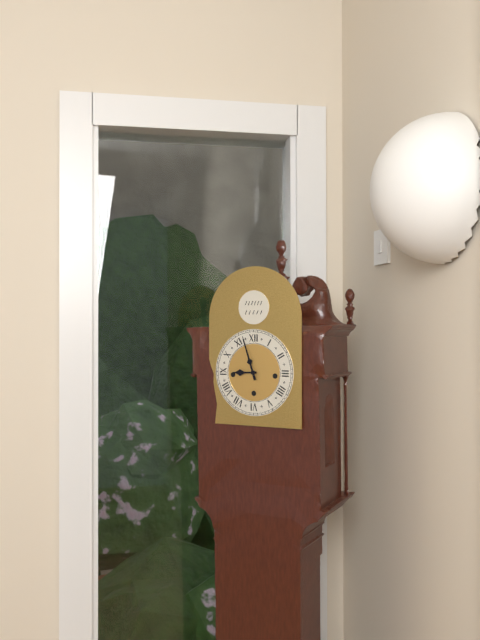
8:57
